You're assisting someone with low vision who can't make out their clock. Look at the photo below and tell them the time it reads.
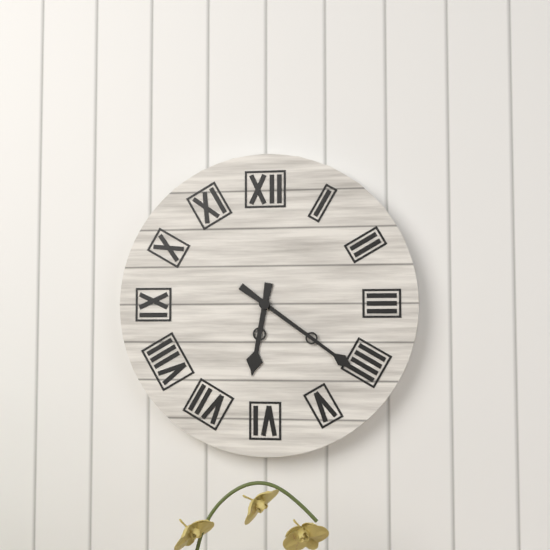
6:21
